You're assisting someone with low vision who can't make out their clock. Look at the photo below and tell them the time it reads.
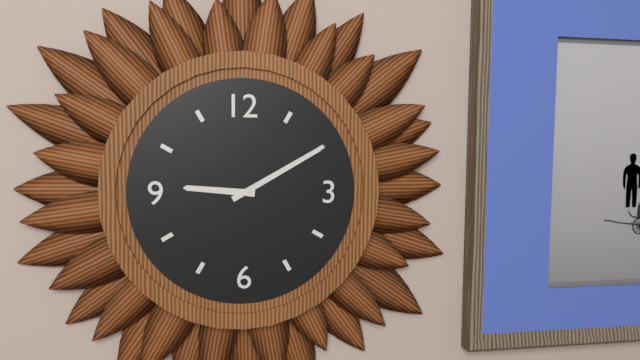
9:10
